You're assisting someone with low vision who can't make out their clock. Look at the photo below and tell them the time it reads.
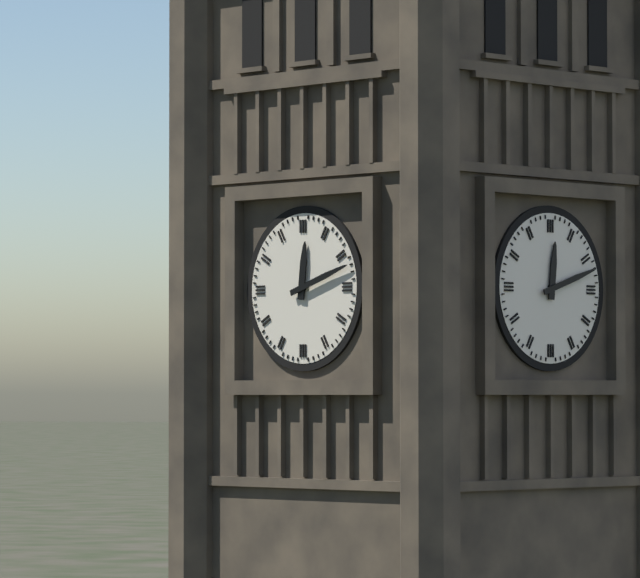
12:12
